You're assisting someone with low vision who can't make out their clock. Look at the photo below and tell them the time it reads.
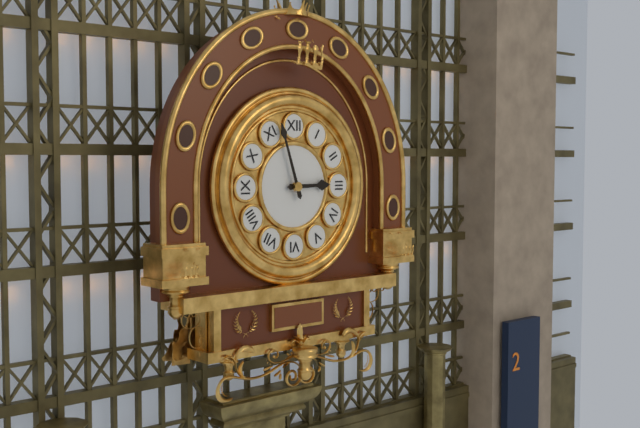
2:57
